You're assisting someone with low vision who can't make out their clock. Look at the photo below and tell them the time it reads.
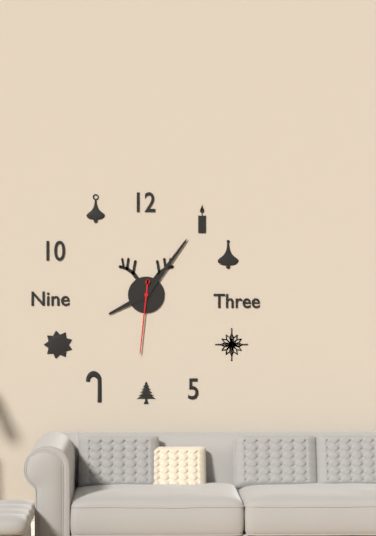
8:06:31
